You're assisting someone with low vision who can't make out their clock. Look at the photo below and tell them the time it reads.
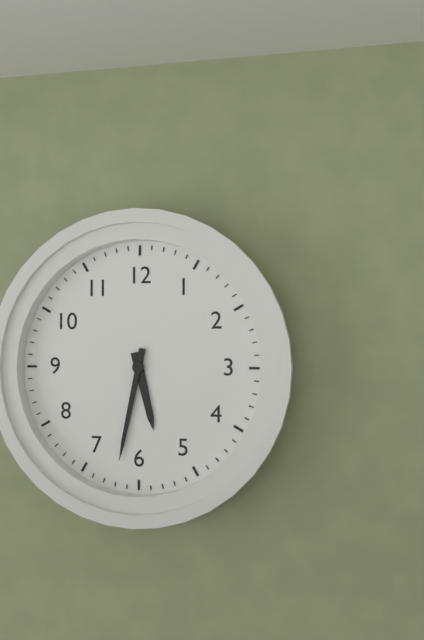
5:32
